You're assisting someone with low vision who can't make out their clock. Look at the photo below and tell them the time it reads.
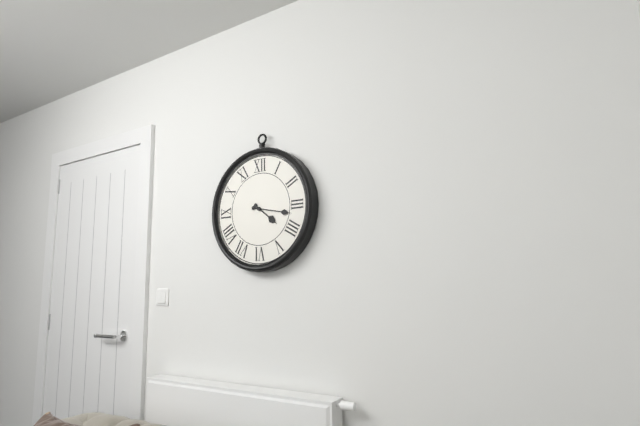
4:17
